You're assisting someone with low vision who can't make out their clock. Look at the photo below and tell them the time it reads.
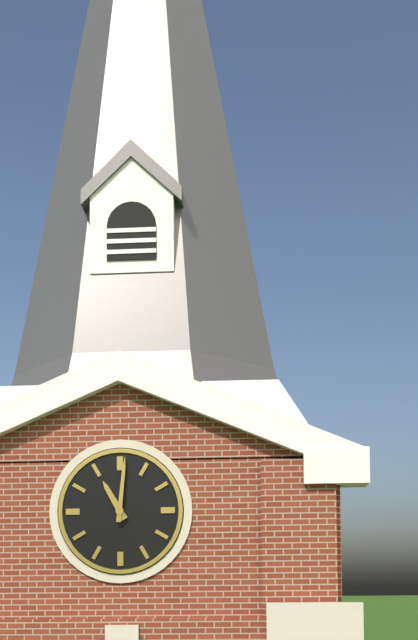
11:01
